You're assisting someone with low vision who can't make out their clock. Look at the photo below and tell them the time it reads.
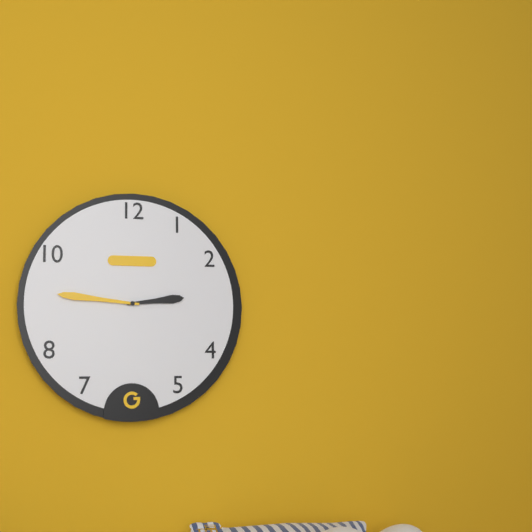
2:46
